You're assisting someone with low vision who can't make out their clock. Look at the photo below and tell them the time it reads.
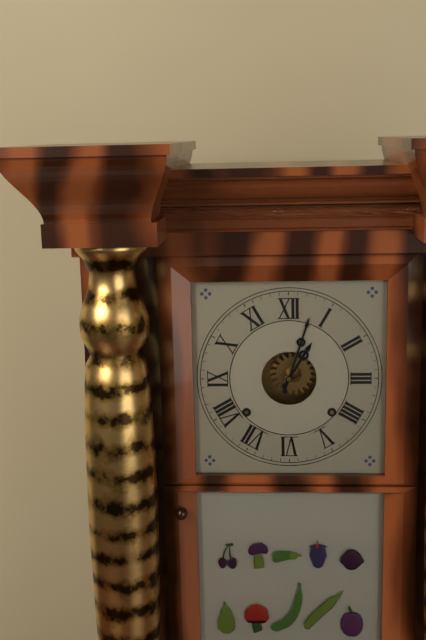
1:03
